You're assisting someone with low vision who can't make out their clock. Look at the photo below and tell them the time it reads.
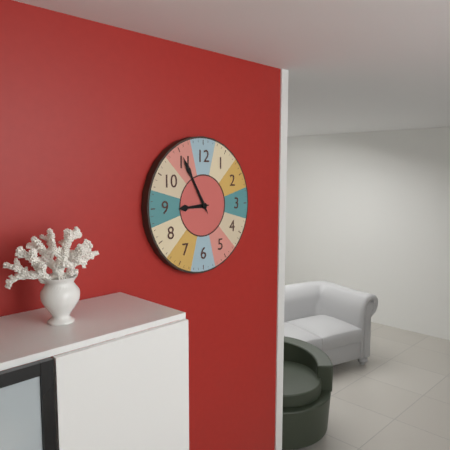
8:55
